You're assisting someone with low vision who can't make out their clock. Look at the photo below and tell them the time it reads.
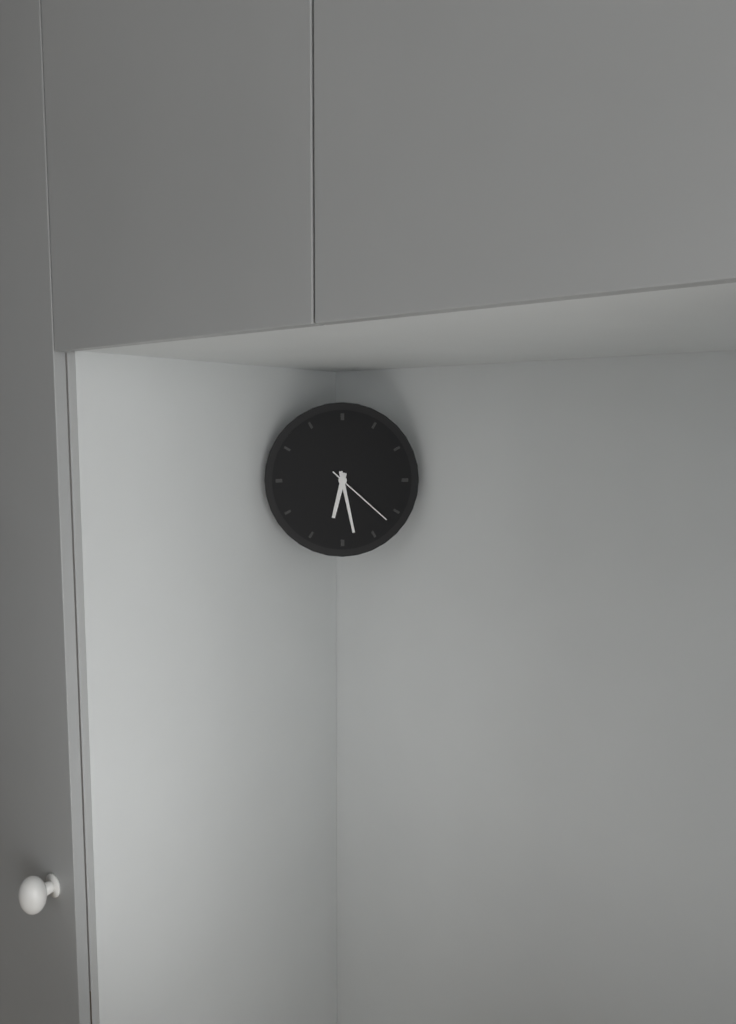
6:28:22
